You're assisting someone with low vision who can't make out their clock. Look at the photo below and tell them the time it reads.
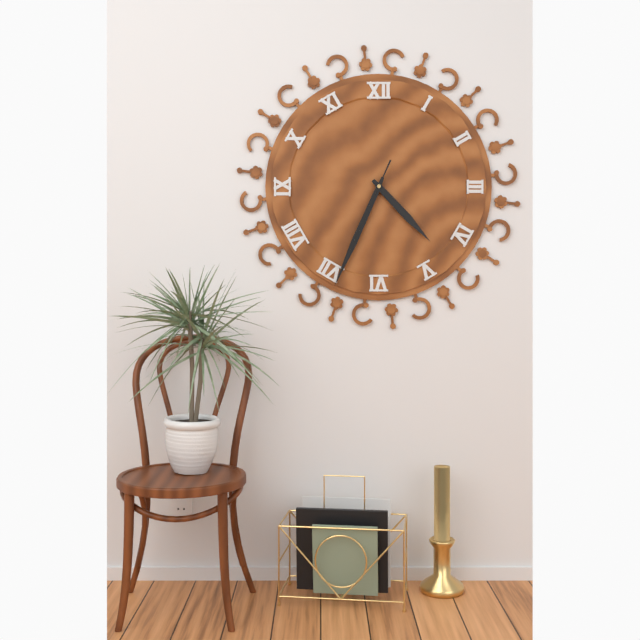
4:34:34
